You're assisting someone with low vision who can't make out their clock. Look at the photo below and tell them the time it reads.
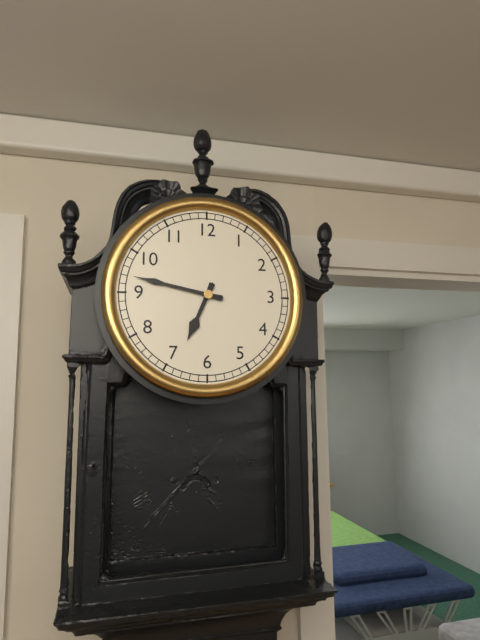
6:47
